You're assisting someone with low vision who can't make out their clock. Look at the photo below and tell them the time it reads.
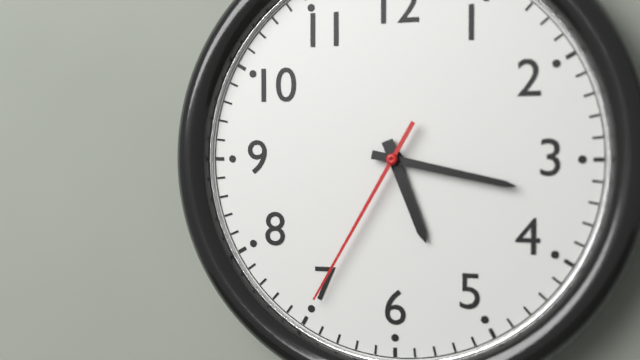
5:17:35
